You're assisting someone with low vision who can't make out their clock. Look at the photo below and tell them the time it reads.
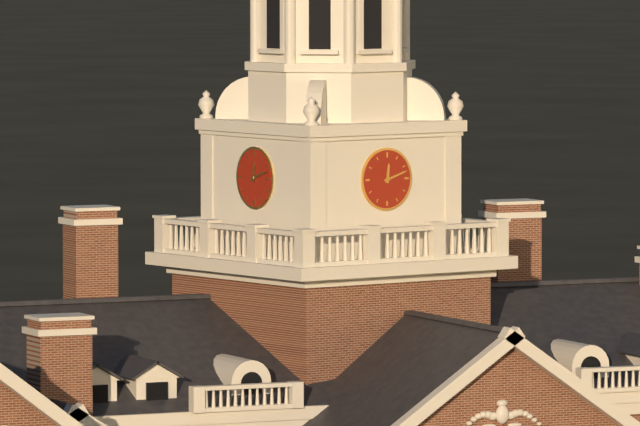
12:12
